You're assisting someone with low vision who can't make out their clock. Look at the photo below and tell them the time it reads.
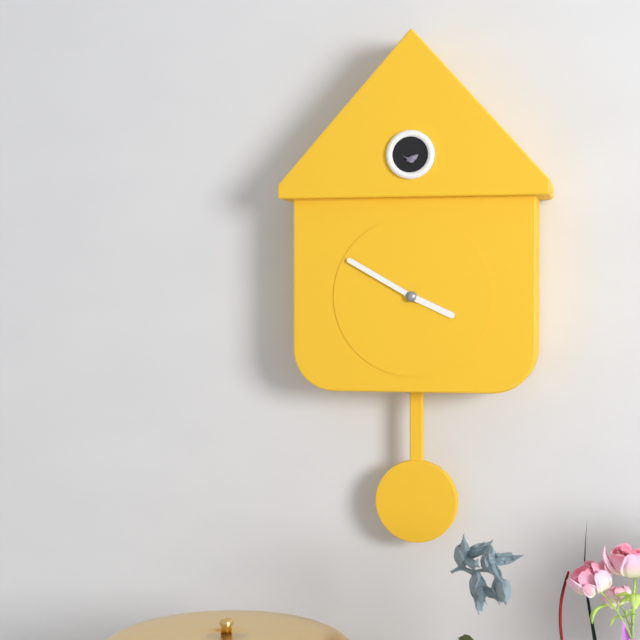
3:50
